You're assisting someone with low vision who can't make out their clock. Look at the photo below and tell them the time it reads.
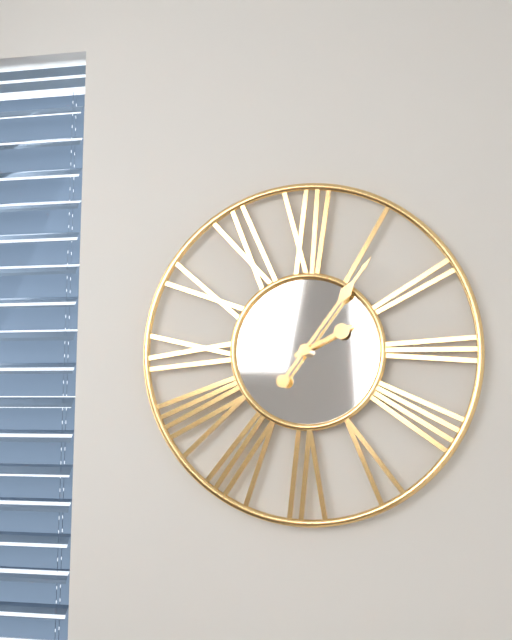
2:06
